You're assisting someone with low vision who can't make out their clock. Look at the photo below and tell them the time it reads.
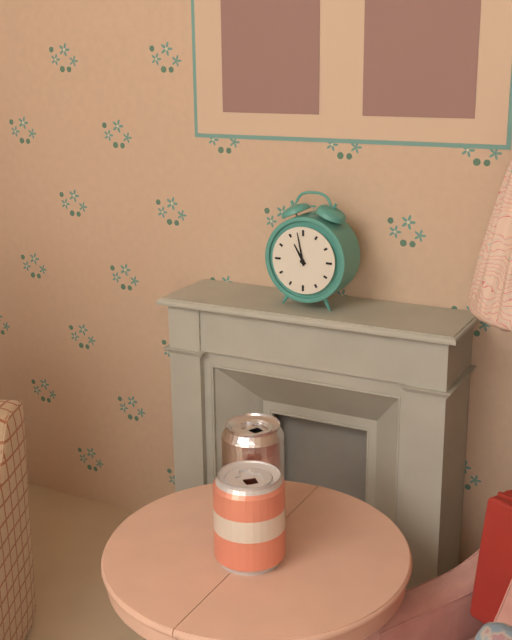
10:58
